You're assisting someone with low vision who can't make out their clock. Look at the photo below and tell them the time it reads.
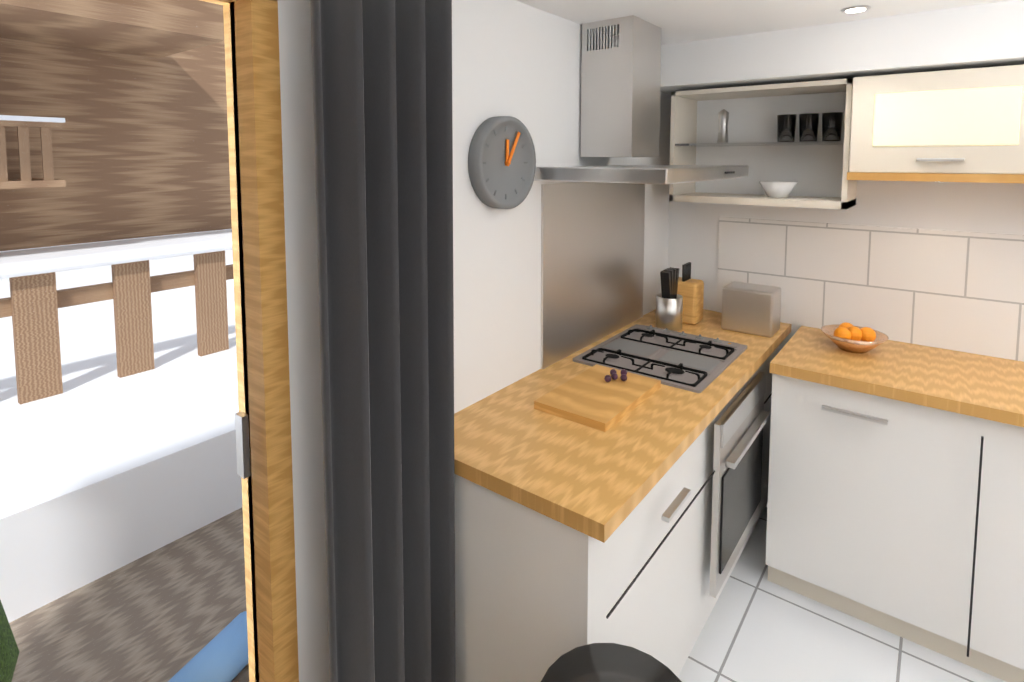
12:05
